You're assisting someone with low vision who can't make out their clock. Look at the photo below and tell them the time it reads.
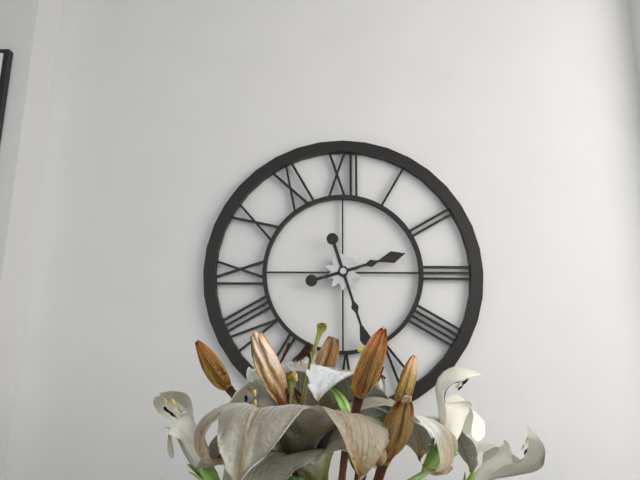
2:27
